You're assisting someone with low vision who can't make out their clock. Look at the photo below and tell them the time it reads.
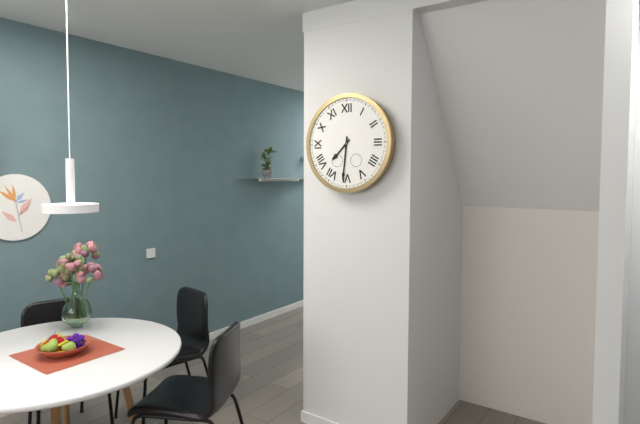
7:31
